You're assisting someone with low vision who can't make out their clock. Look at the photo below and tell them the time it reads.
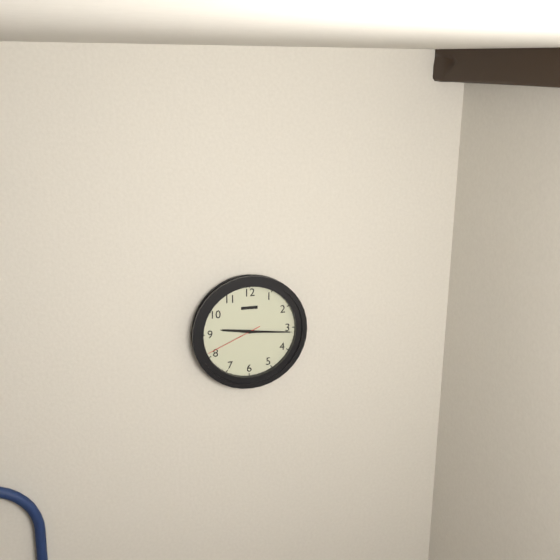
9:16:41
